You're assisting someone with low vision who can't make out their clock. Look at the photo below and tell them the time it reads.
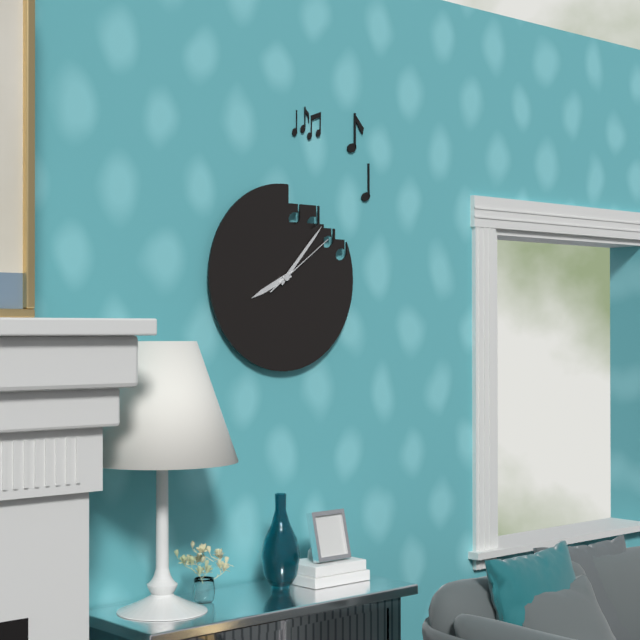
8:07:09
